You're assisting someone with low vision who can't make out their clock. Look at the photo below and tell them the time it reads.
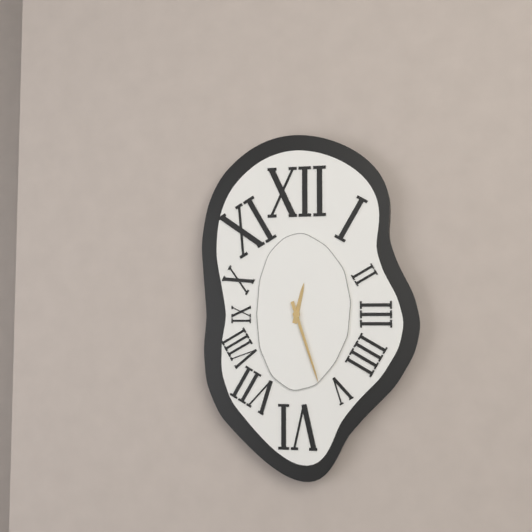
12:27
